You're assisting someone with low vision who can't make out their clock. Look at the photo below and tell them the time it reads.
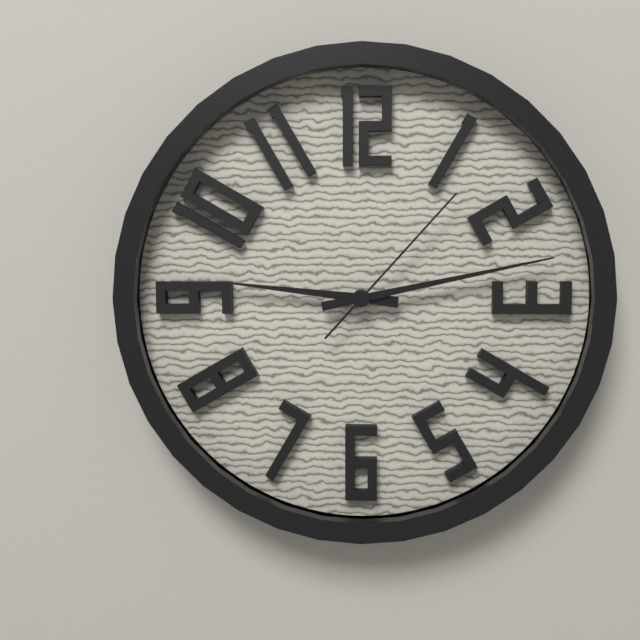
9:13:07
